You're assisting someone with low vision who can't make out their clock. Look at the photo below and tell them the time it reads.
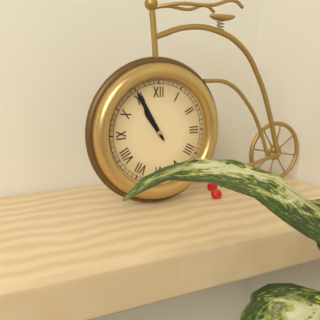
10:55
